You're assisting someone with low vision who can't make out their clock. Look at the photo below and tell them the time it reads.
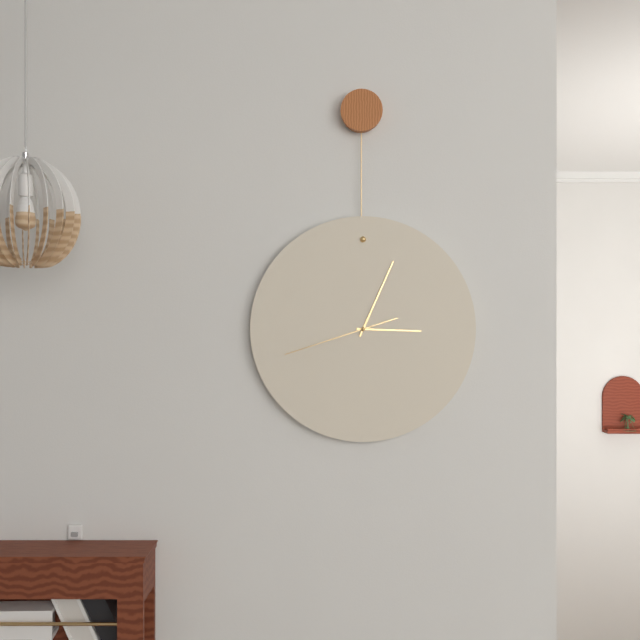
3:04:42
